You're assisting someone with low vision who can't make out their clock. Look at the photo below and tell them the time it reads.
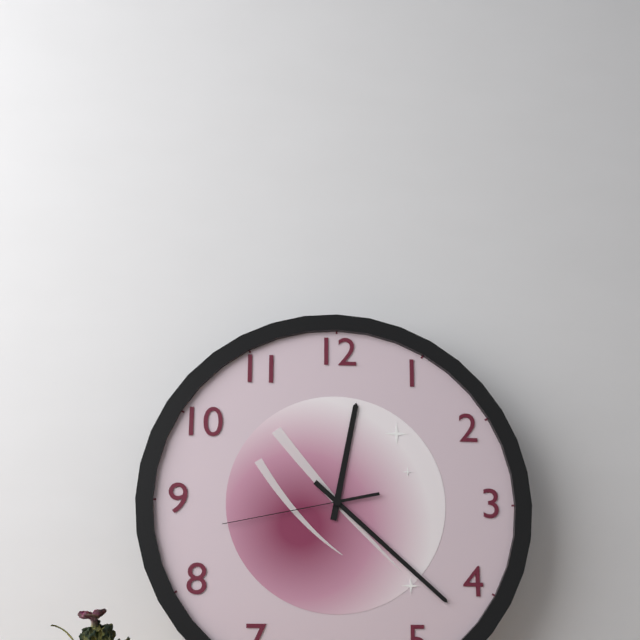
12:22:43
